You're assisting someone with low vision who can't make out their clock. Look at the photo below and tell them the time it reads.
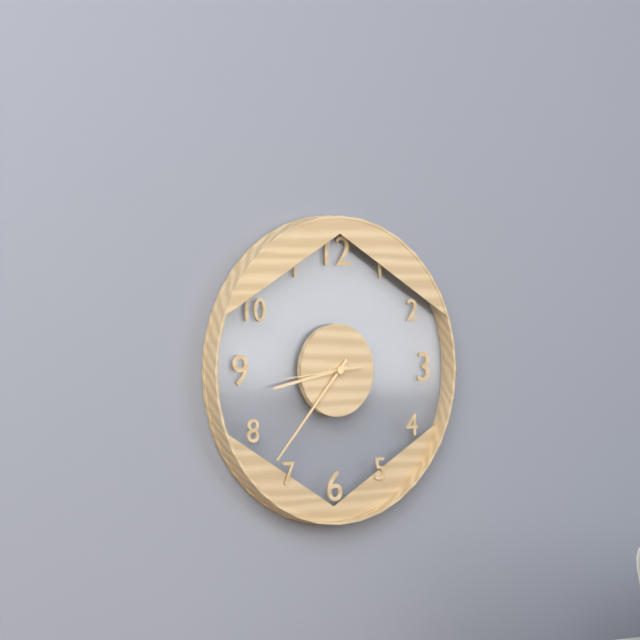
8:37:44
